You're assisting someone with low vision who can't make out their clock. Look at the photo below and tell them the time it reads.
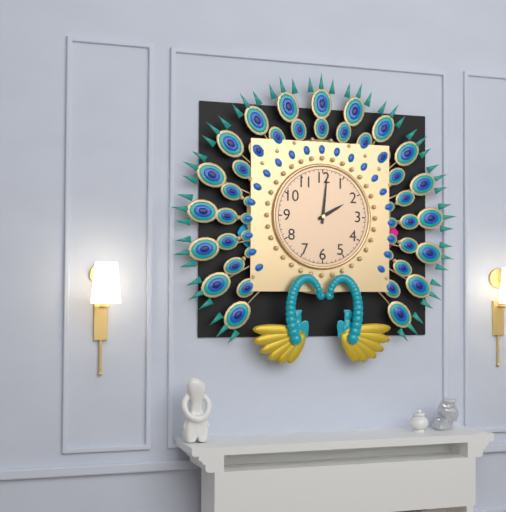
2:01
